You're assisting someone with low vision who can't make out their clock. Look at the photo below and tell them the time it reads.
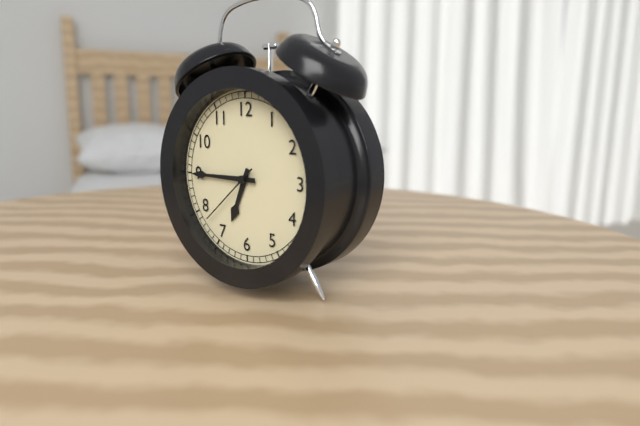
6:45:38
